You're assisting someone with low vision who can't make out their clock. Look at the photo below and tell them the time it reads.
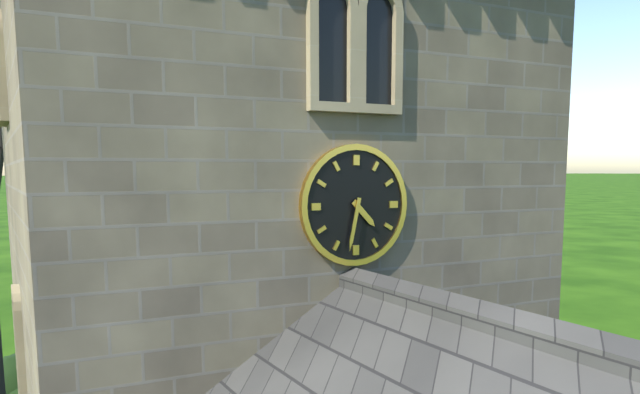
4:32
